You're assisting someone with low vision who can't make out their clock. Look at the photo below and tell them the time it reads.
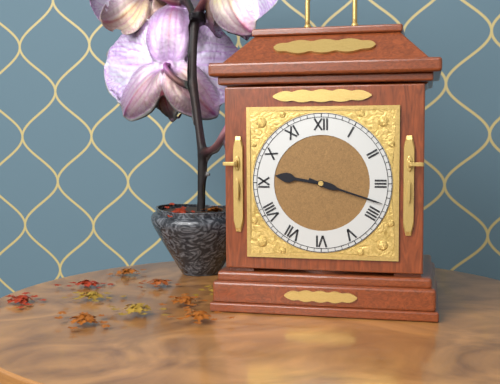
9:18
